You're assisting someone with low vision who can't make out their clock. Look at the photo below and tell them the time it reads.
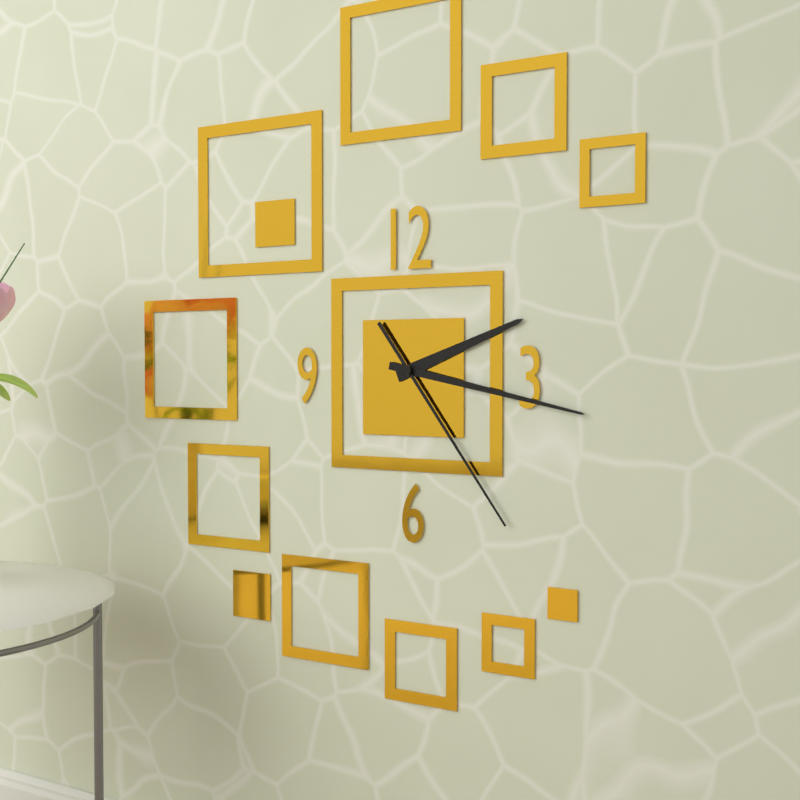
2:17:24
